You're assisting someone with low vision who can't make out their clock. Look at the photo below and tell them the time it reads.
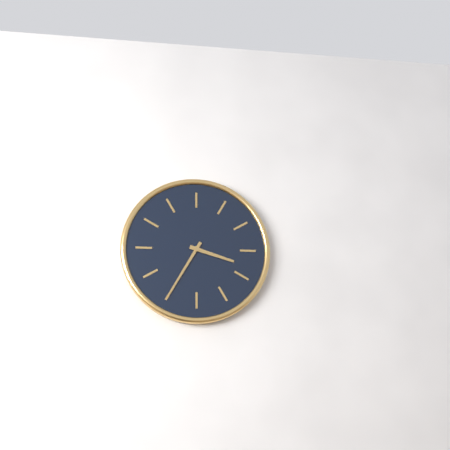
3:35
